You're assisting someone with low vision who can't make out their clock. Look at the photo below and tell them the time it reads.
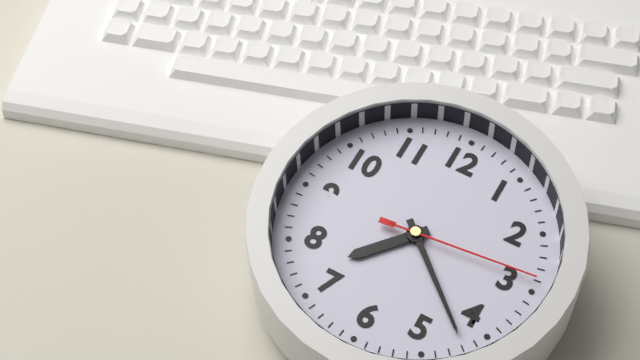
7:22:14
